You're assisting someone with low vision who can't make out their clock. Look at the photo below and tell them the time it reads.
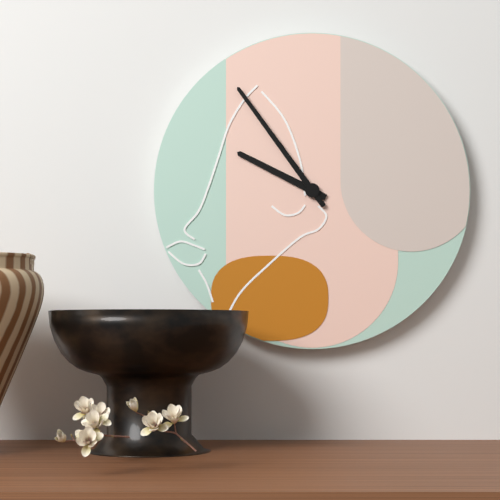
9:54
